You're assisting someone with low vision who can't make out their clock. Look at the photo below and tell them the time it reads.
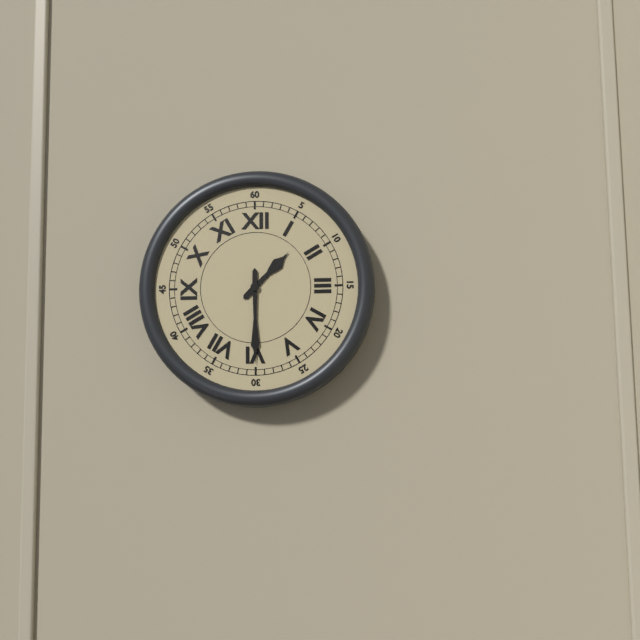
1:30
